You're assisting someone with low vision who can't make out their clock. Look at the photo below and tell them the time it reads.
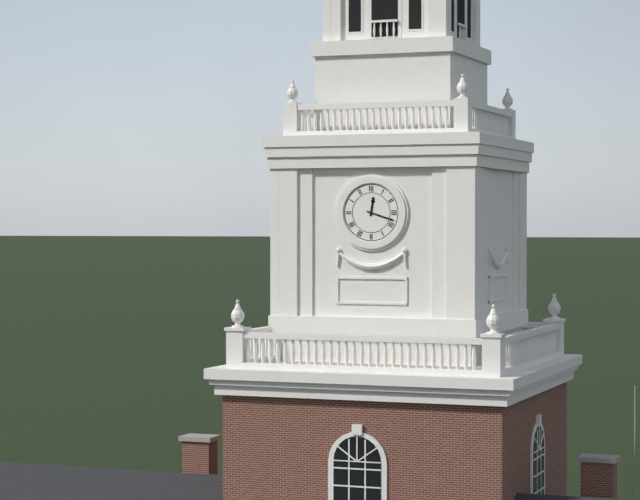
12:18
